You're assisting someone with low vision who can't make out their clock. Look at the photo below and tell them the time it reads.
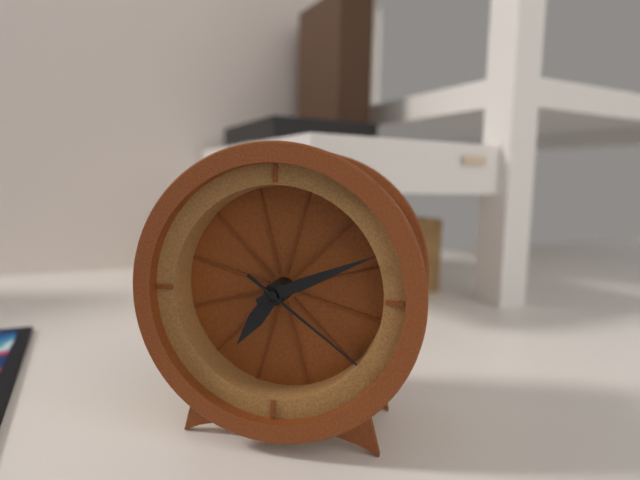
7:11:21
